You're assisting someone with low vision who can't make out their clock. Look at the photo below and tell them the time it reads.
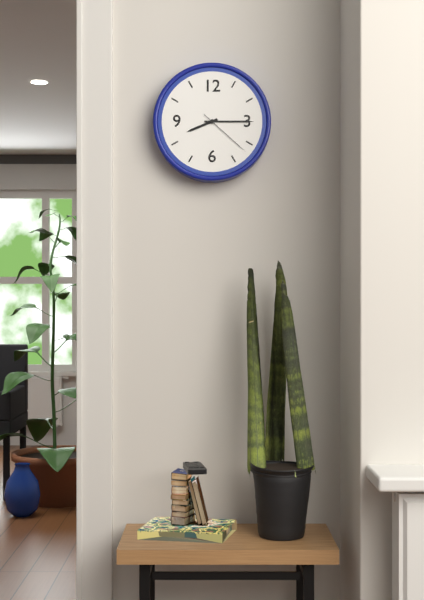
8:15:22
